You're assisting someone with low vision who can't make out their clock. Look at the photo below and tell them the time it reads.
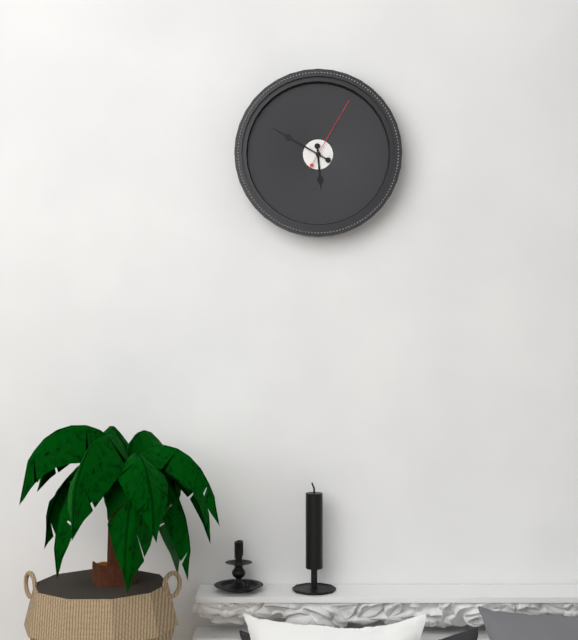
5:50:05
